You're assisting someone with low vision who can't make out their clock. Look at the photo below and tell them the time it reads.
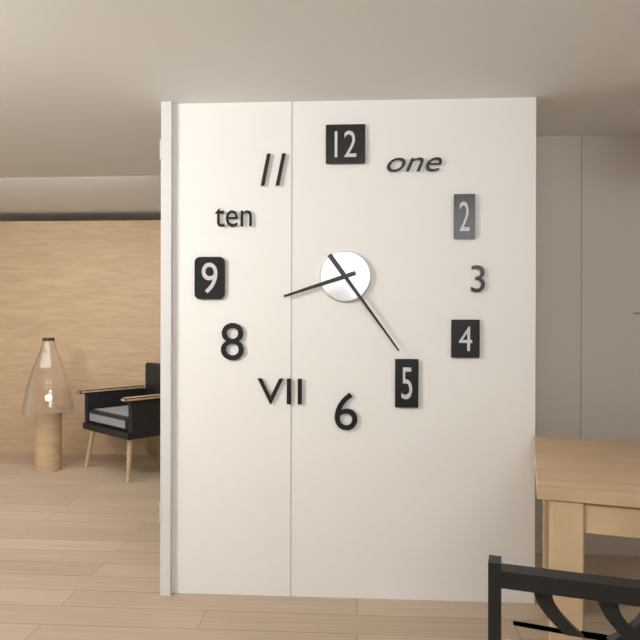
8:24
